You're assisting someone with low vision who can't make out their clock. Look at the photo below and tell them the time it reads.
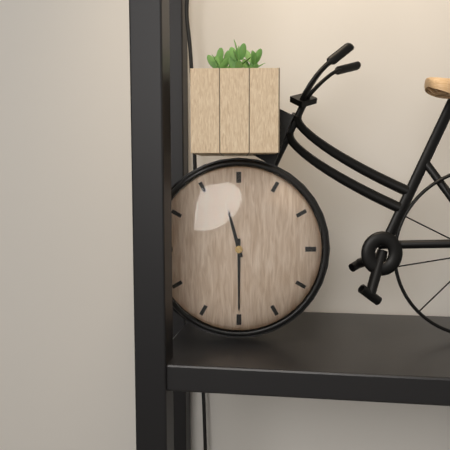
11:30
